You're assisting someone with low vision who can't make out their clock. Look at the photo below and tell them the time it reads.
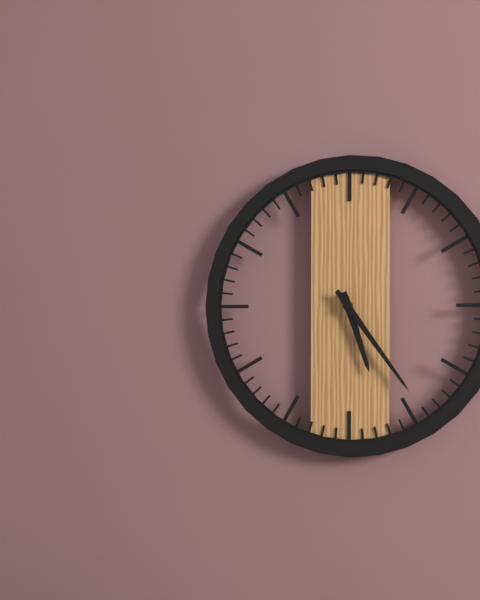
5:24
